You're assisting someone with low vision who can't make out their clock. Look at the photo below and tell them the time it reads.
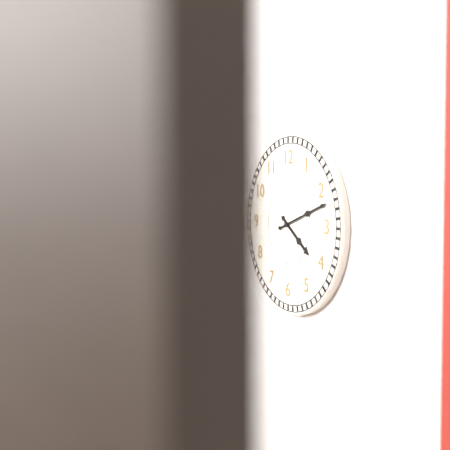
4:12
